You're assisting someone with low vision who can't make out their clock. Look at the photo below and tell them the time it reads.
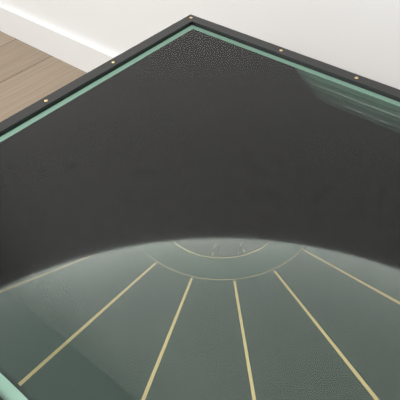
5:06
